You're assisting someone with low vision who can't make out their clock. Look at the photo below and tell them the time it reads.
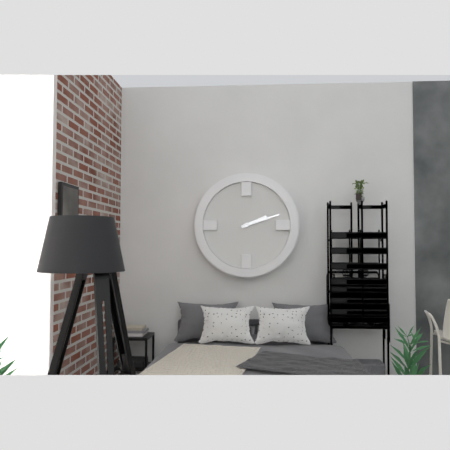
2:12
